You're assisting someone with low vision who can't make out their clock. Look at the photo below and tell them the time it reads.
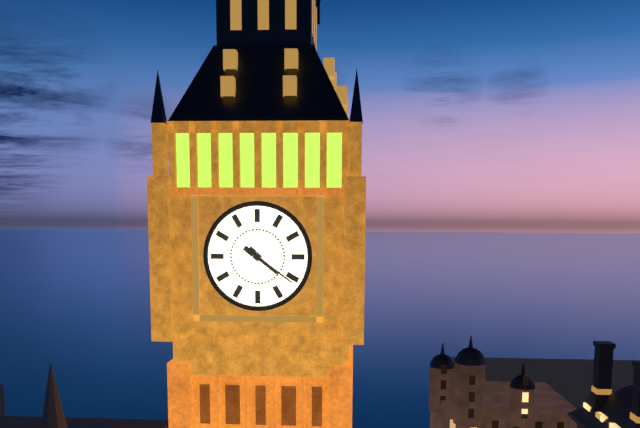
4:21
